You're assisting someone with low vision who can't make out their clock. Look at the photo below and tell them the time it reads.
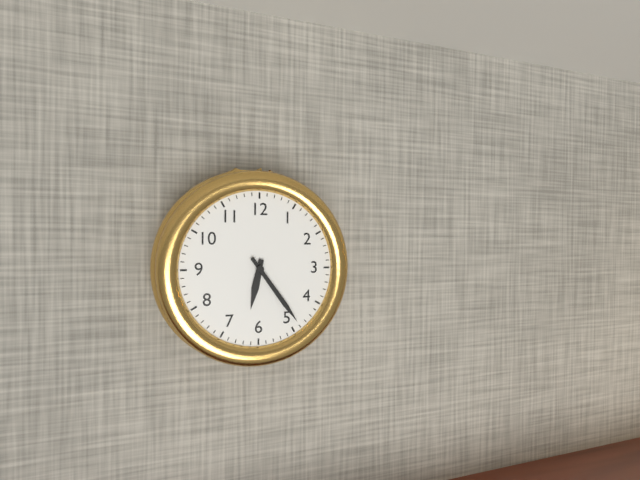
6:24
